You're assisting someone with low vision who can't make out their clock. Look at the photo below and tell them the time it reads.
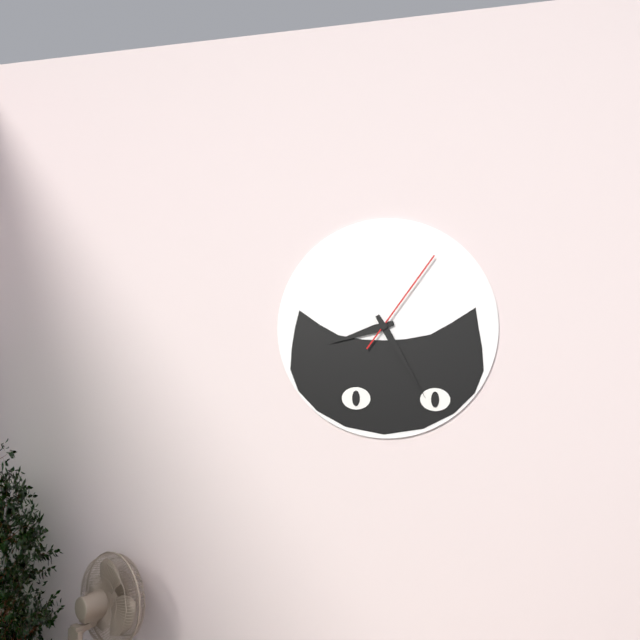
8:25:06
